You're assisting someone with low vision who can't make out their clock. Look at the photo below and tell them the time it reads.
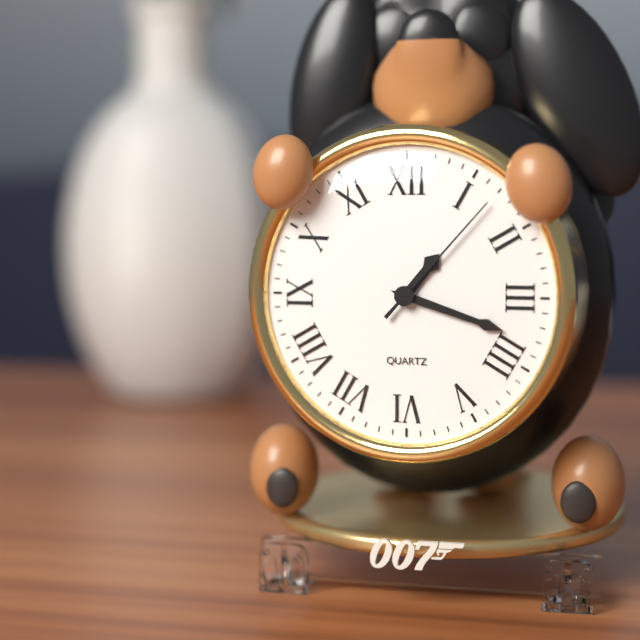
1:18:07
